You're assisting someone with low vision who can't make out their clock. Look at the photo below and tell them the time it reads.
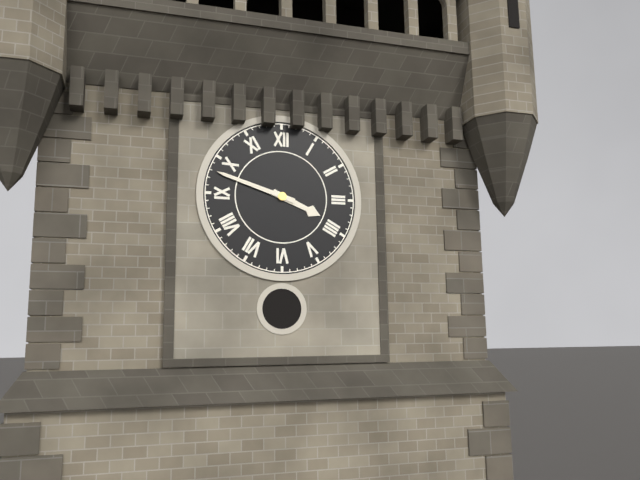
3:48
